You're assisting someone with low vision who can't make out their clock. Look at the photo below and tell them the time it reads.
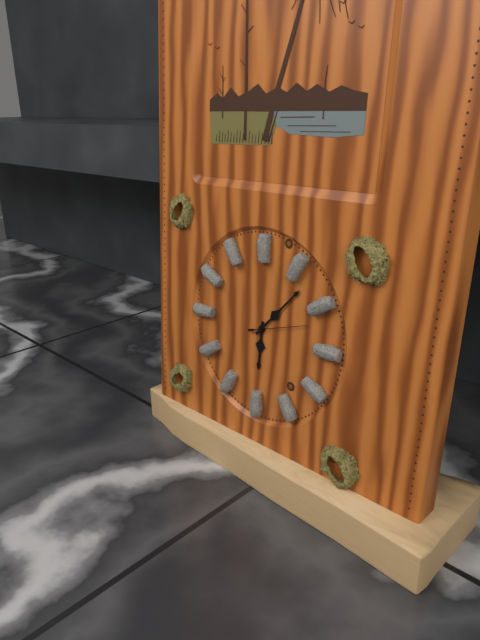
6:07:12
